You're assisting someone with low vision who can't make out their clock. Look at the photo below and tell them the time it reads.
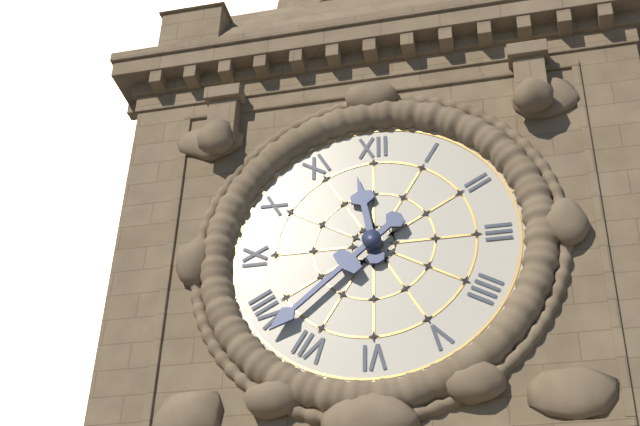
11:38
